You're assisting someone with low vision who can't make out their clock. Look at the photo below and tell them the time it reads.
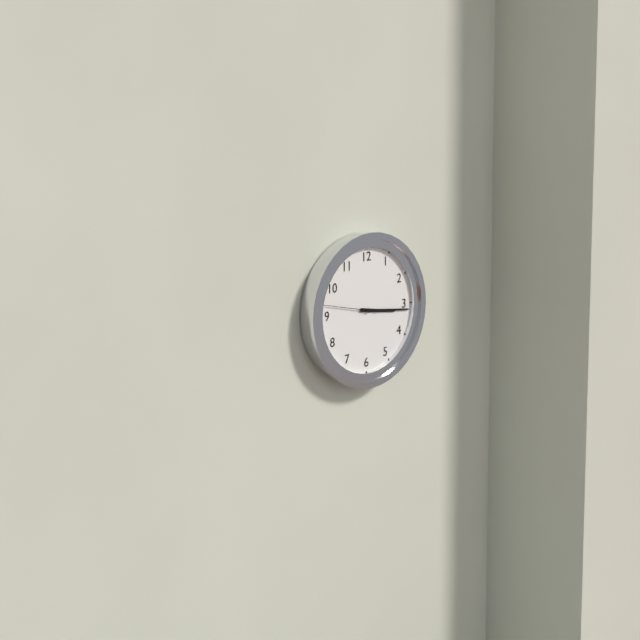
3:16:47
